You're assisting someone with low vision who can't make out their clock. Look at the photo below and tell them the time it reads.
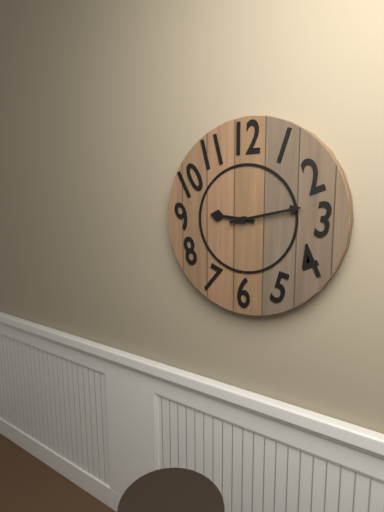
9:13
